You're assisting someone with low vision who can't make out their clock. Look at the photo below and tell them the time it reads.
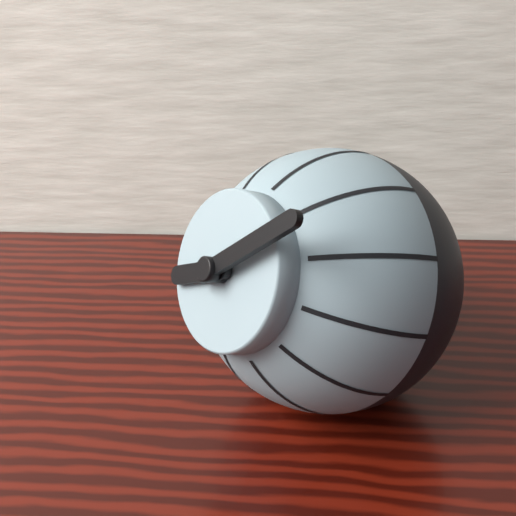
8:08
